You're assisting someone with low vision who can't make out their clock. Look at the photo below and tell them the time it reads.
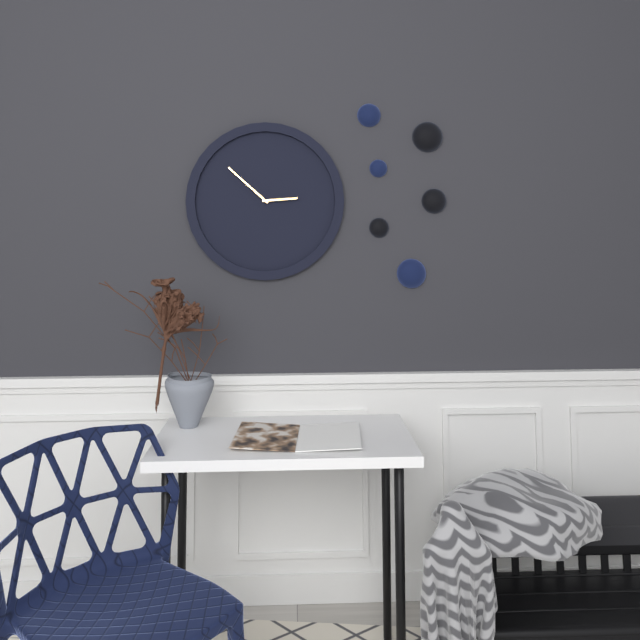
2:52
